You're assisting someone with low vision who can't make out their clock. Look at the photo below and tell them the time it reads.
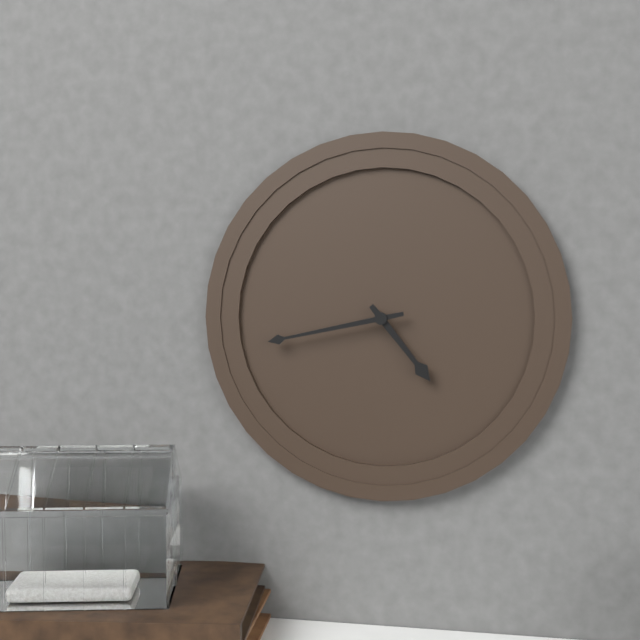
4:43
